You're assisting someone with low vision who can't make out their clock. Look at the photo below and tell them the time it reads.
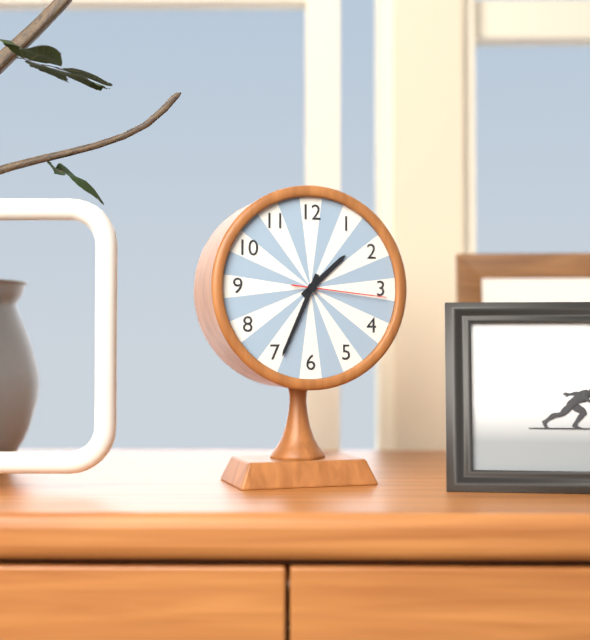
1:34:16
